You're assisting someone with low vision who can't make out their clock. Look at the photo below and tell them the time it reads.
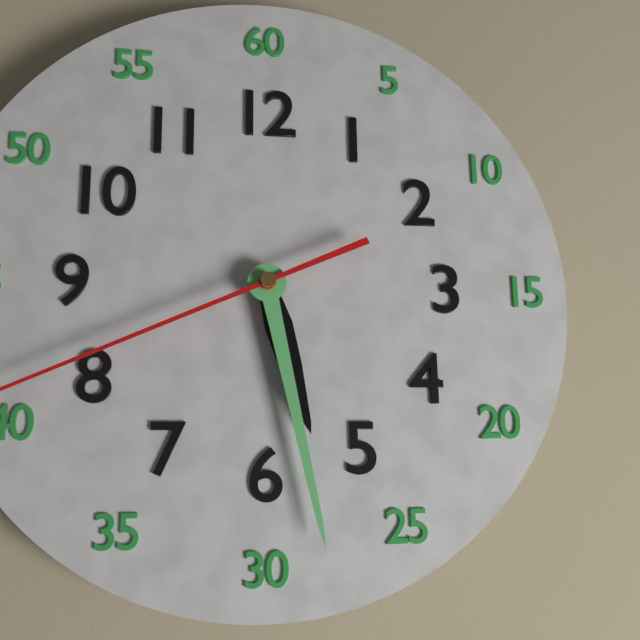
5:28
